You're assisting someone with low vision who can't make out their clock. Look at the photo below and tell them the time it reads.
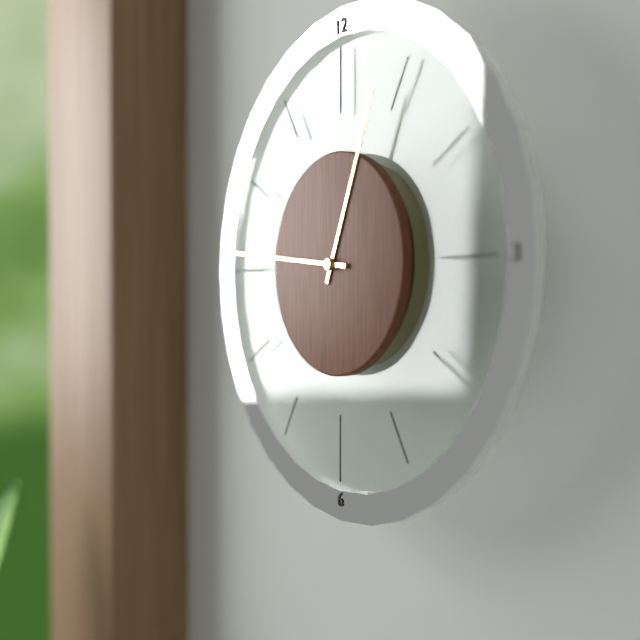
12:46
